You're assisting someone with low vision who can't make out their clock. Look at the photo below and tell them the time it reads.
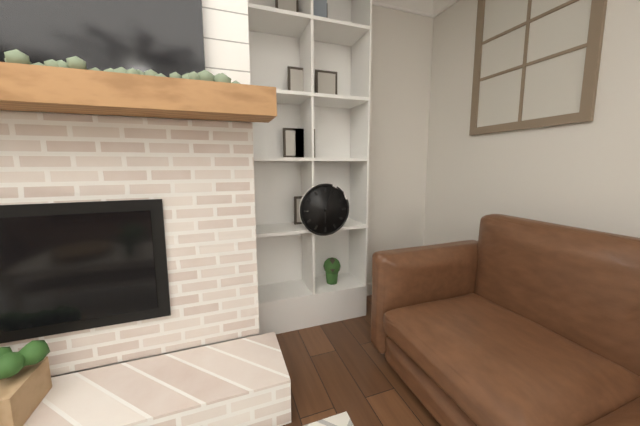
6:03
